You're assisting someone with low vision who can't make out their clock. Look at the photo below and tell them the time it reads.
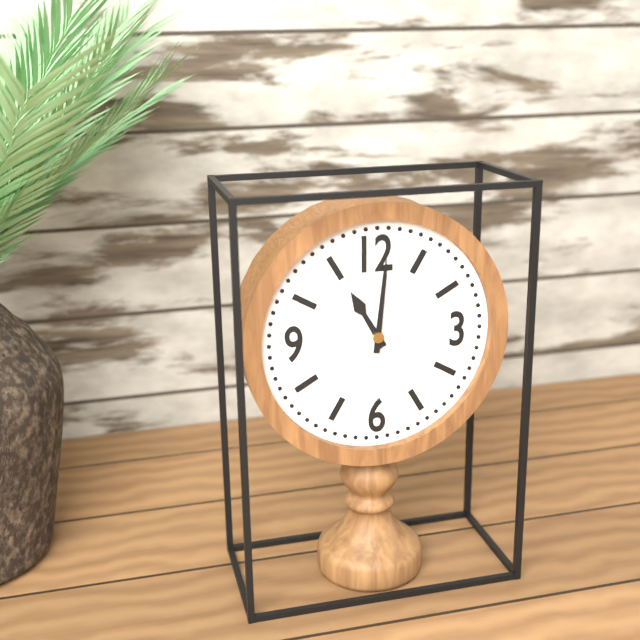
11:01
